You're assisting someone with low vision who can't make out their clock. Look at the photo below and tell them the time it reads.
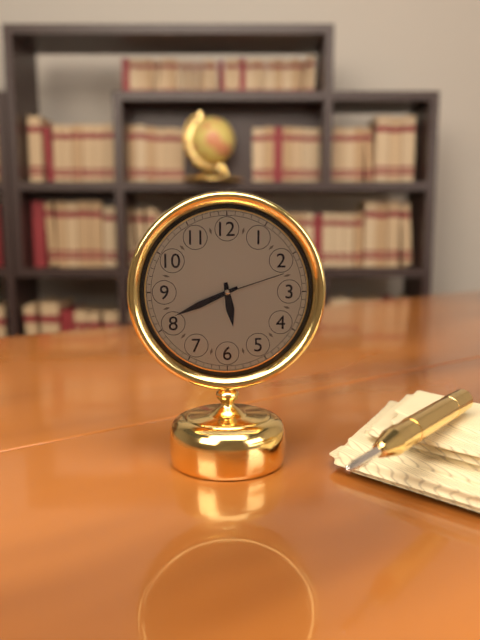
5:41:12
